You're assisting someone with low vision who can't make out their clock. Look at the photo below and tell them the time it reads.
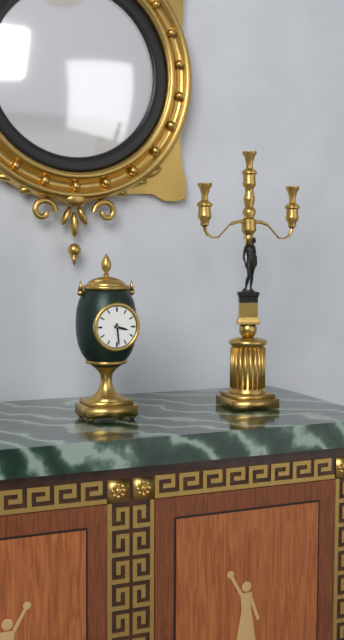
3:29
